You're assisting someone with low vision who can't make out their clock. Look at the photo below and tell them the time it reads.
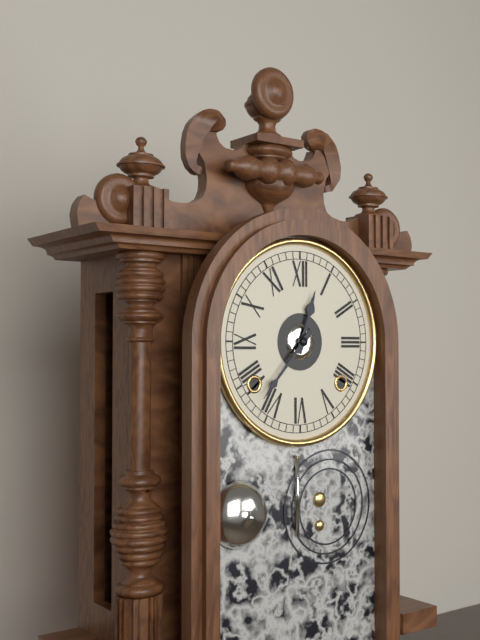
12:37
